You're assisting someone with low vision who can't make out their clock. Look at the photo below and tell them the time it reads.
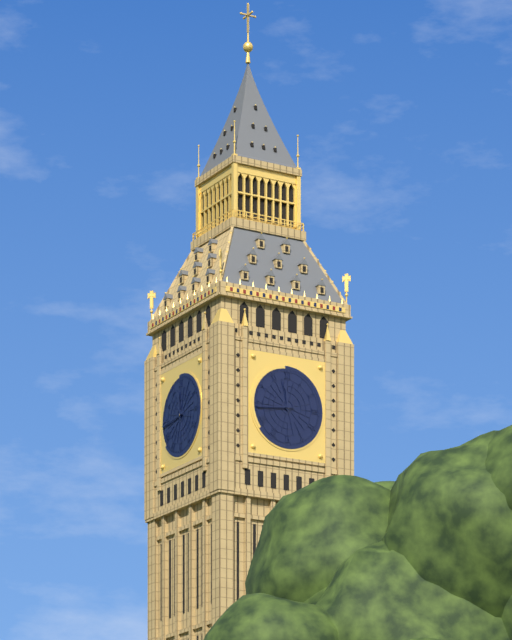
11:44
